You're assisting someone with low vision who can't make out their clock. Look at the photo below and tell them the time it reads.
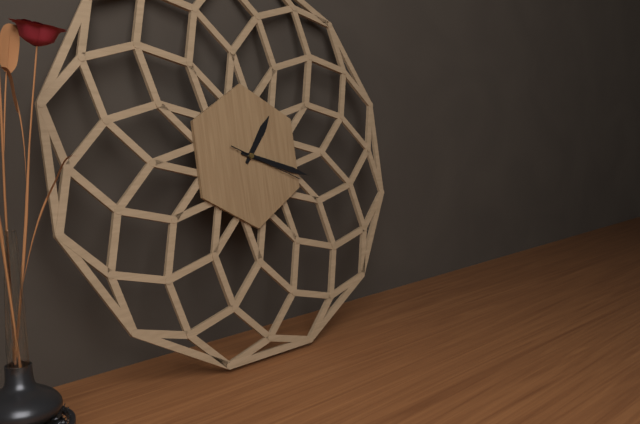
1:18:19
